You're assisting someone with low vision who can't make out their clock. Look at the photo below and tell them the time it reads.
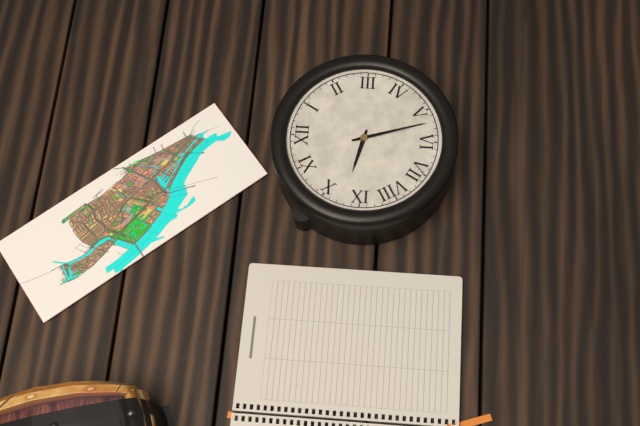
9:27
